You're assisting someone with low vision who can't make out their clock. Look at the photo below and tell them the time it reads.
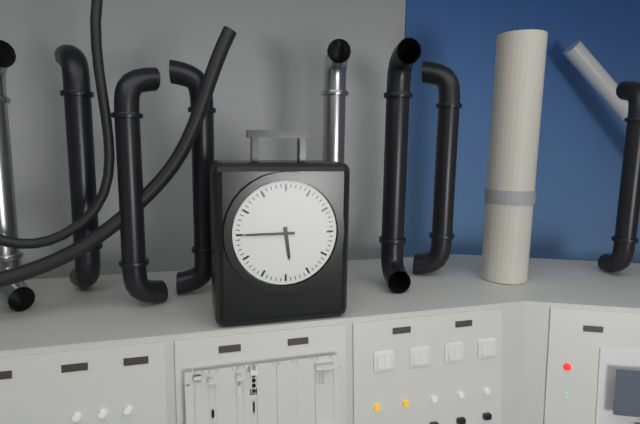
5:45
